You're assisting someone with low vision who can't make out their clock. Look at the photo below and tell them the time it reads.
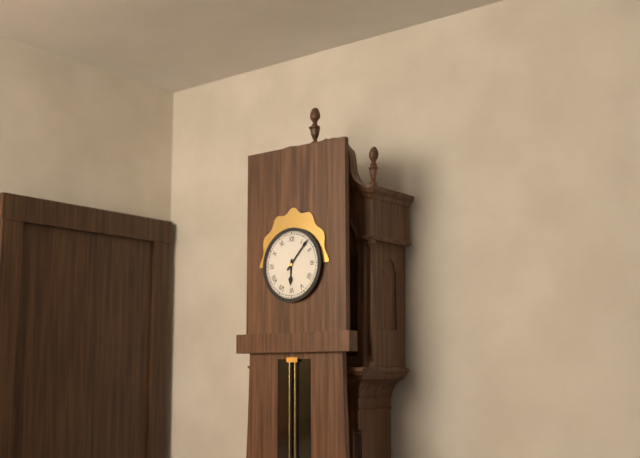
6:07
